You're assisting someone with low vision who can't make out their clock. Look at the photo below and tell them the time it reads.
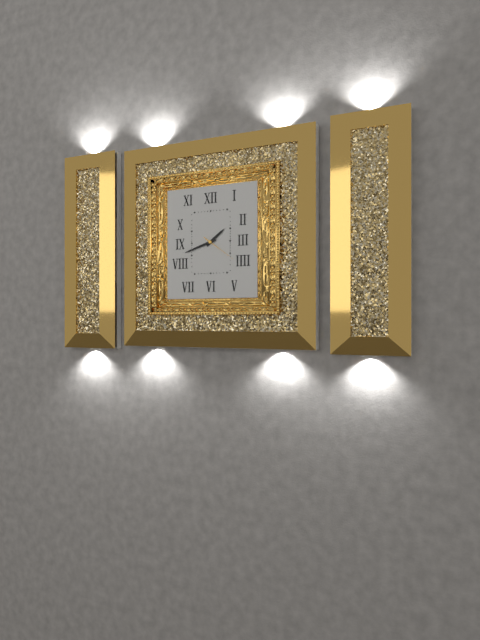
1:42
